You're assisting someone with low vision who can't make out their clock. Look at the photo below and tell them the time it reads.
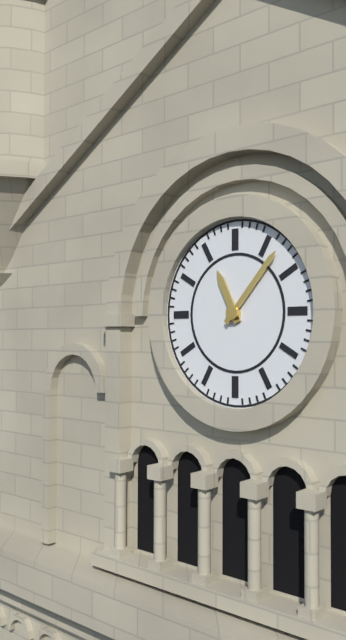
11:07
